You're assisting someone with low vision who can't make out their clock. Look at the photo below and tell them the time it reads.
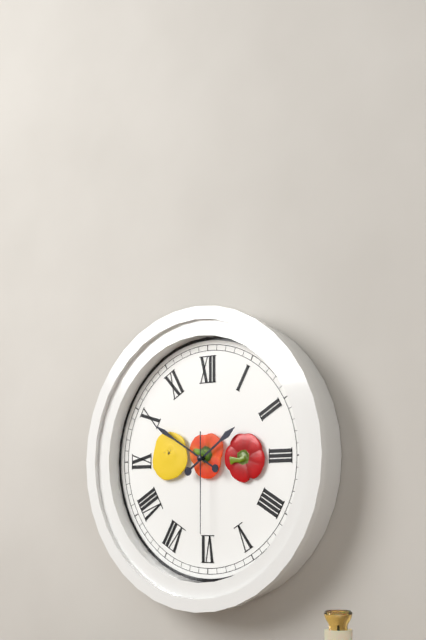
1:50:30
